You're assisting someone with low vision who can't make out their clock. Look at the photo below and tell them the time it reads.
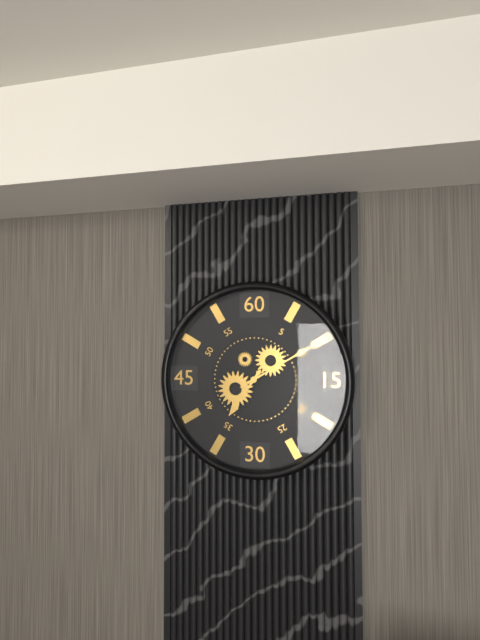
7:10
